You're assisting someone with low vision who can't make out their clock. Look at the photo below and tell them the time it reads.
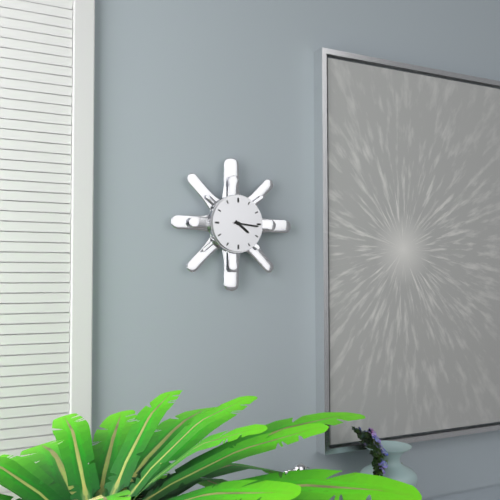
4:16
